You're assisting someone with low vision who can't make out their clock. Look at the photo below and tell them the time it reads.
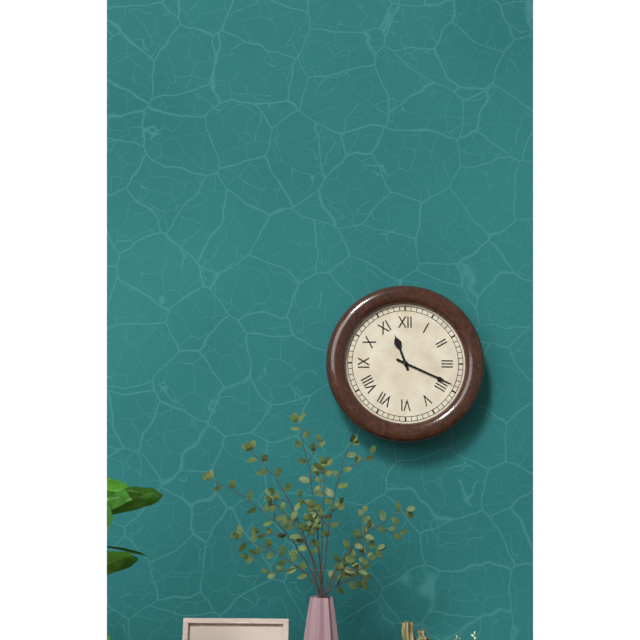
11:19
